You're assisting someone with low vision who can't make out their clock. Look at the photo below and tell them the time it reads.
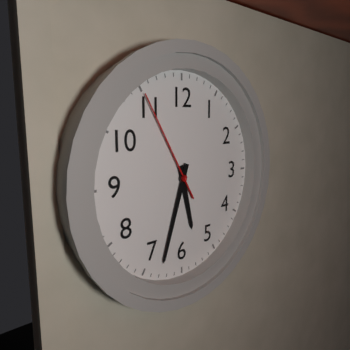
5:33:55
